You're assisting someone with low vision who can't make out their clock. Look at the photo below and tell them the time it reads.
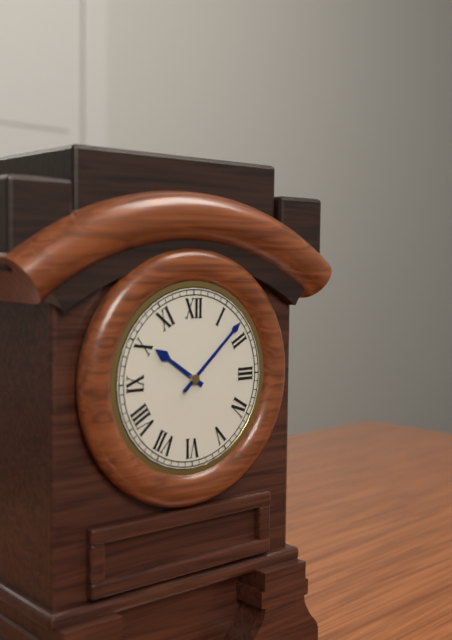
10:08
